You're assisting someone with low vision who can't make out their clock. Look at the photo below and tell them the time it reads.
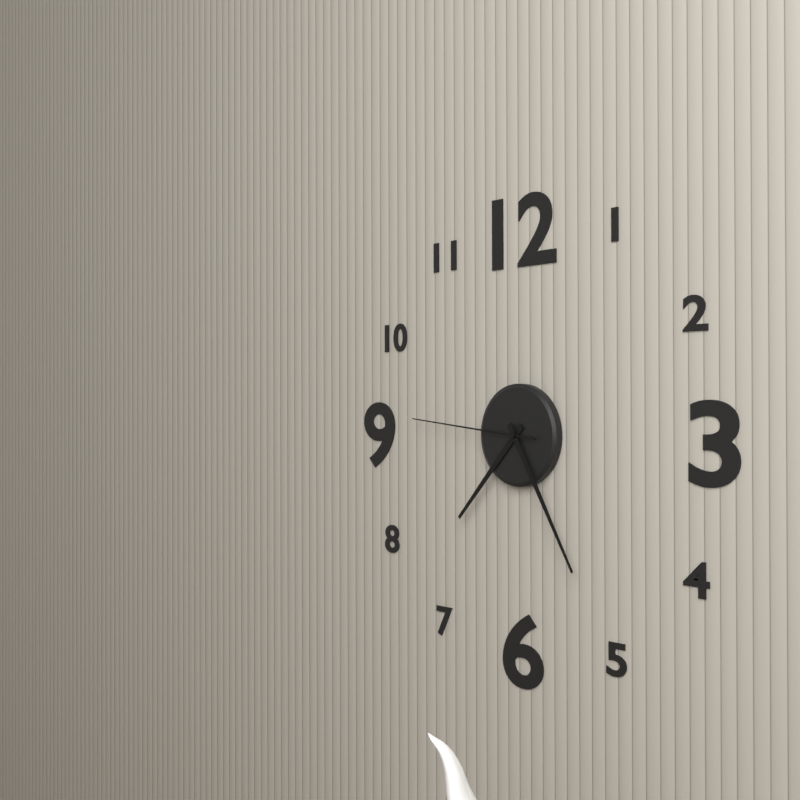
7:25:46
